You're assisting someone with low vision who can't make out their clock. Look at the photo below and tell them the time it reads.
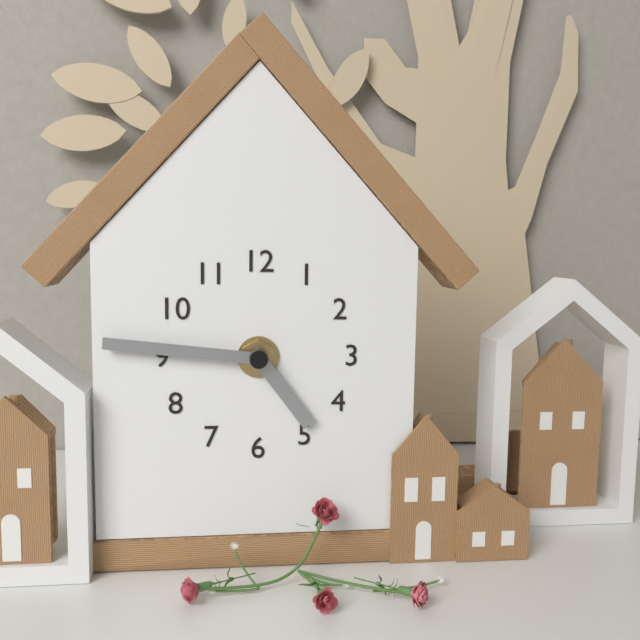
4:46
